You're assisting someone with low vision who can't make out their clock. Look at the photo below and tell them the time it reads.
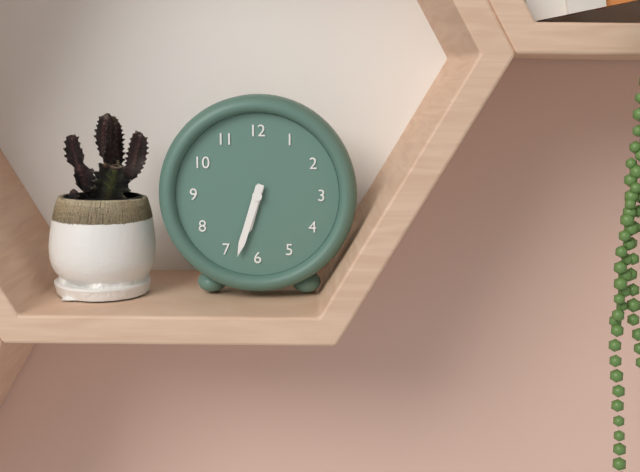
6:33
